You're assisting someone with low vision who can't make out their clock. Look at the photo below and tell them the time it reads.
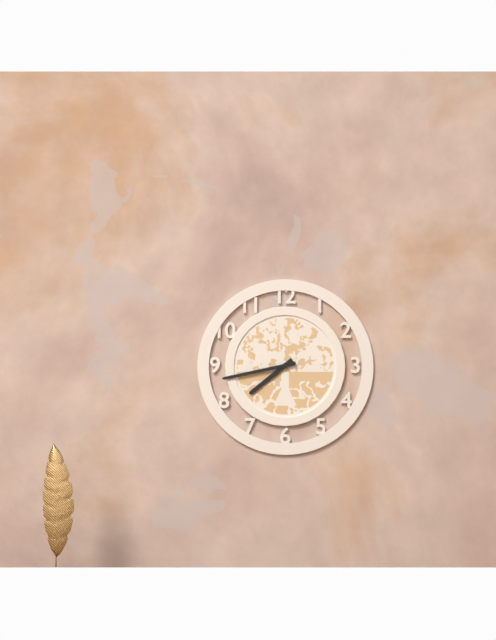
7:43
